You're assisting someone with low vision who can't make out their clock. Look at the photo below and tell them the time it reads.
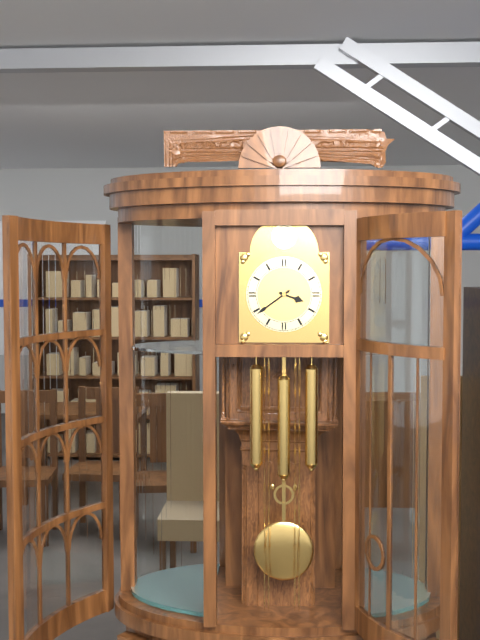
3:39
